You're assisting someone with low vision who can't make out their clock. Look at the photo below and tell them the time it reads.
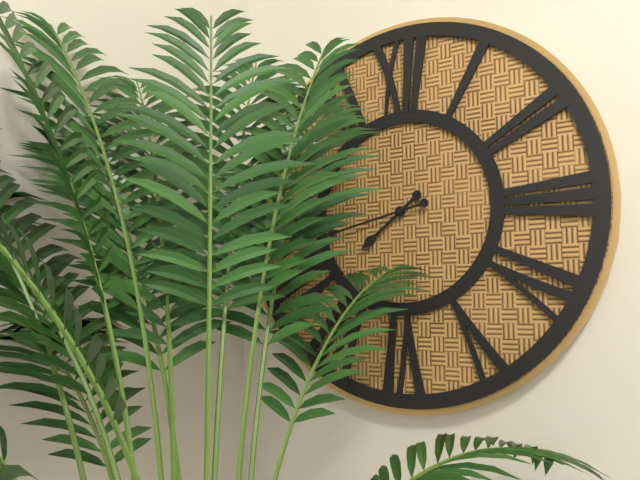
7:43
